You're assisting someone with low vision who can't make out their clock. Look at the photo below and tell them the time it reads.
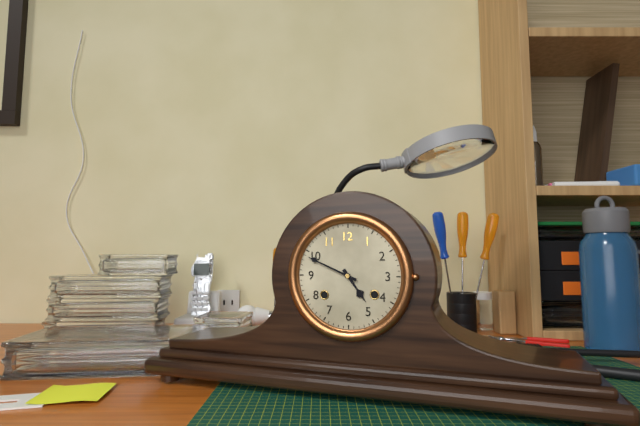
4:49
